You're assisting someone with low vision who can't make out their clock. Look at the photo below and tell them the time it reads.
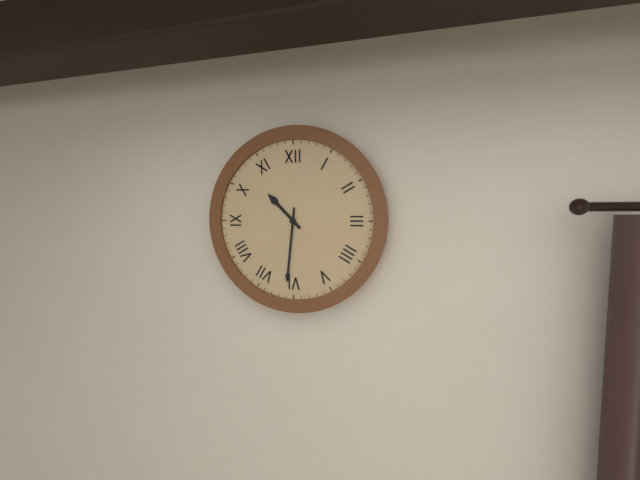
10:31
